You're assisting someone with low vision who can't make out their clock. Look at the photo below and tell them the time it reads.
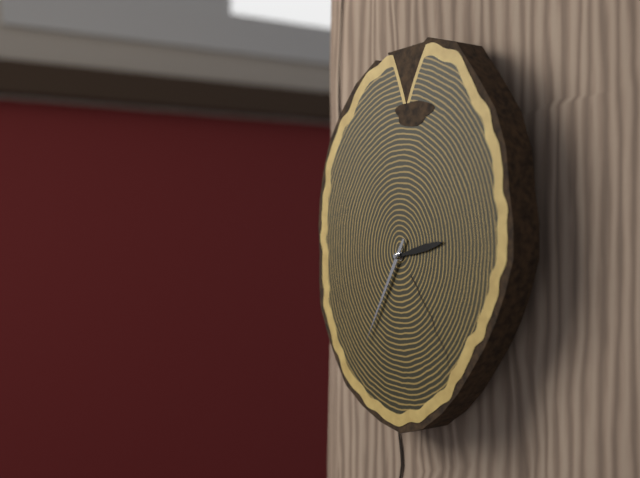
2:35
